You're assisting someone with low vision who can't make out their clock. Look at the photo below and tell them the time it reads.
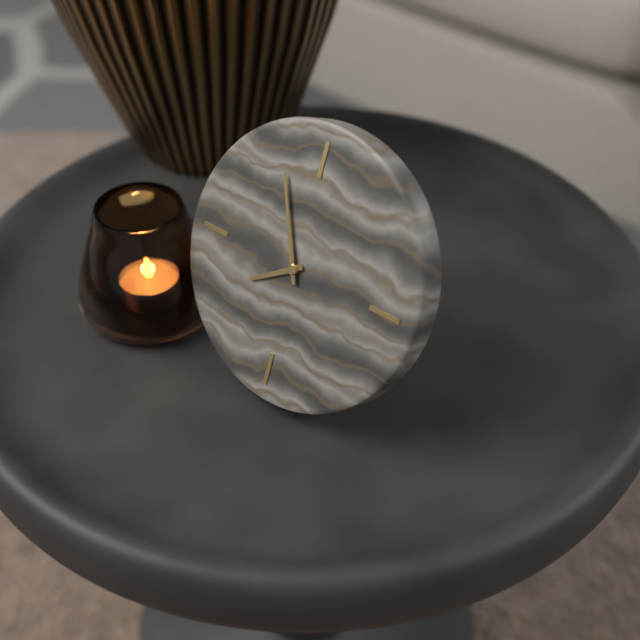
7:56
